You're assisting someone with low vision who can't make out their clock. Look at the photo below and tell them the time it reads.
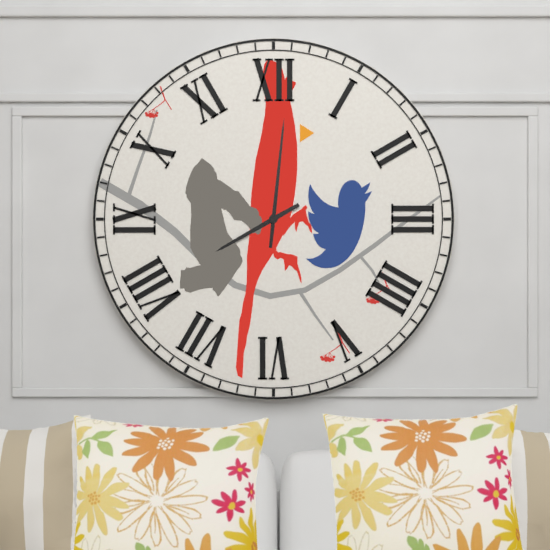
8:01
